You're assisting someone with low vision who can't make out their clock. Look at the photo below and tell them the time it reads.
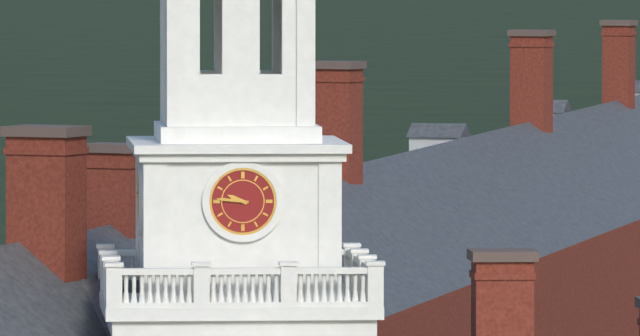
9:46
